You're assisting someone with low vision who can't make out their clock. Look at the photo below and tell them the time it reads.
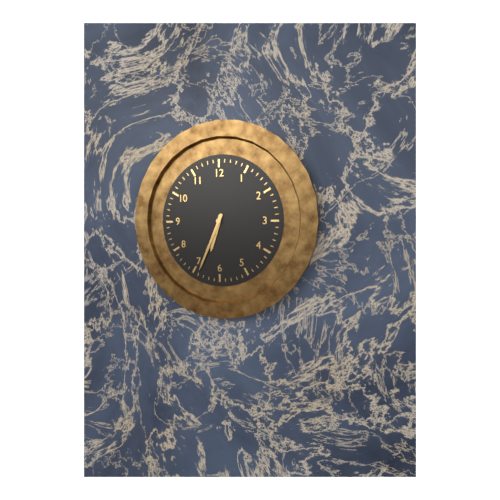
6:34
